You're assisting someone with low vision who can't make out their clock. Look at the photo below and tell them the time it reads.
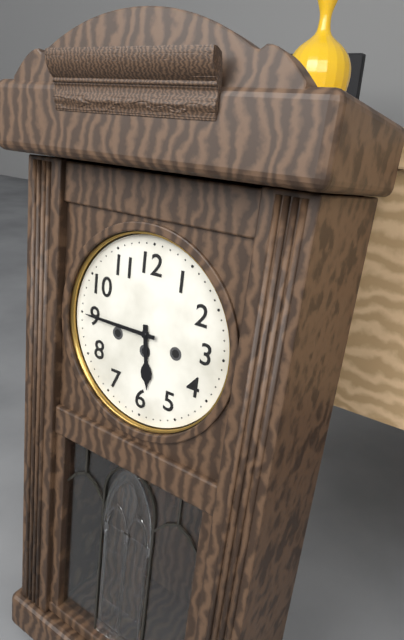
5:45
